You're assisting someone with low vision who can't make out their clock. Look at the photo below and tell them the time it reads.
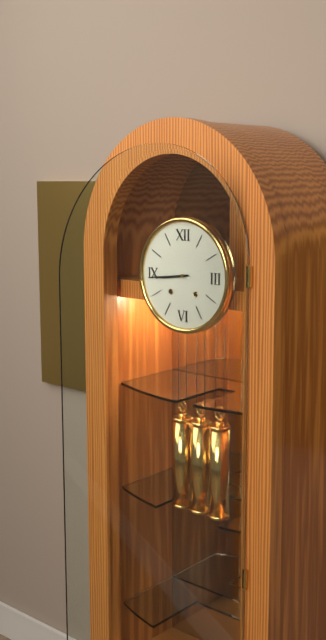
8:44
